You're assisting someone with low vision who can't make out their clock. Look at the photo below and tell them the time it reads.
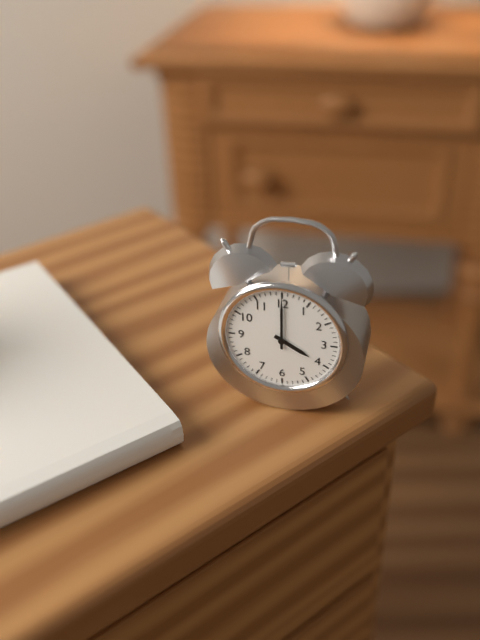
4:00
